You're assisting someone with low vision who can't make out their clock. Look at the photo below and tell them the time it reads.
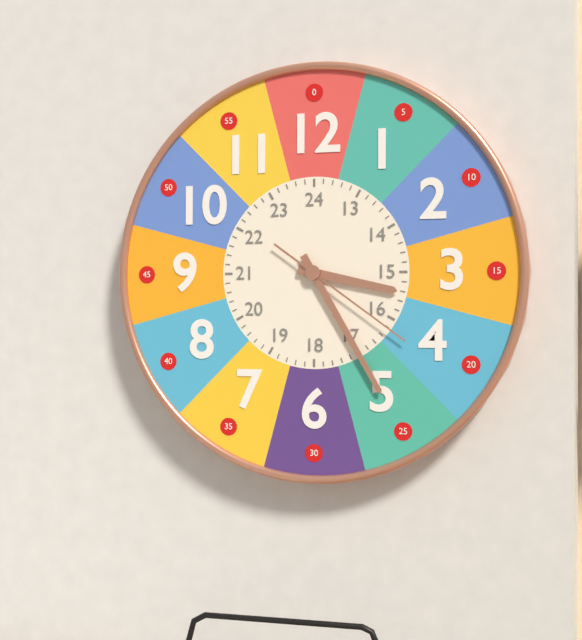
3:25:21
